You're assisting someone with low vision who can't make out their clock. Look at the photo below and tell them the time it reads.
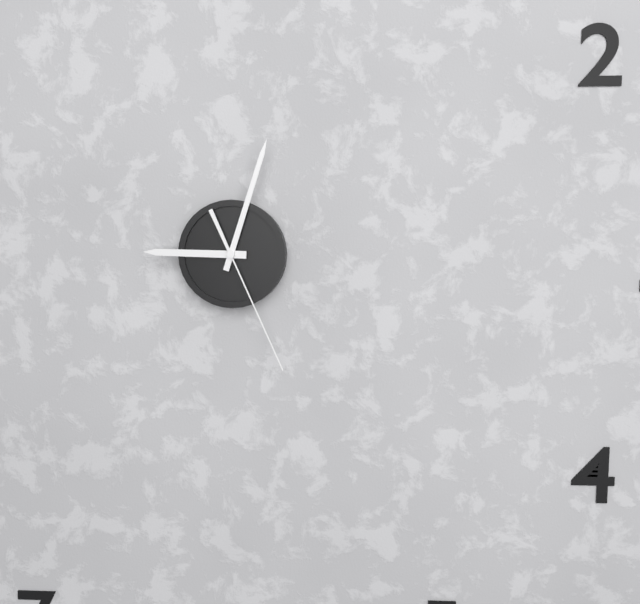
9:03:26
